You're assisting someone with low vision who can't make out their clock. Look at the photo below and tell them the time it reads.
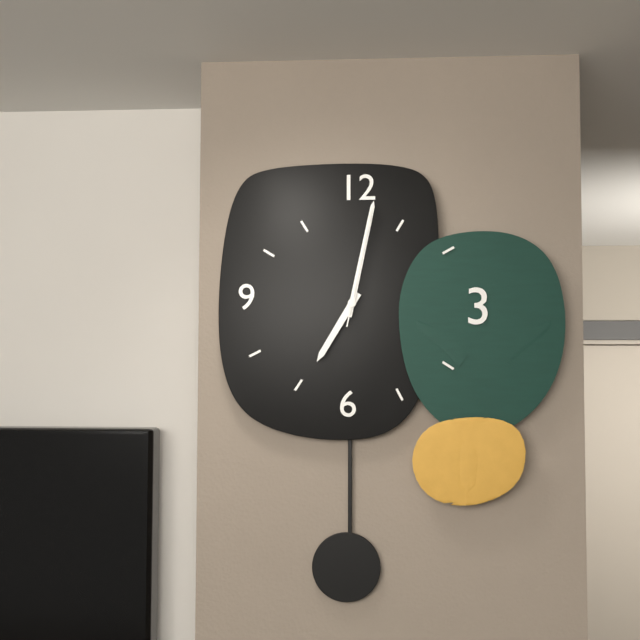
7:02:02
